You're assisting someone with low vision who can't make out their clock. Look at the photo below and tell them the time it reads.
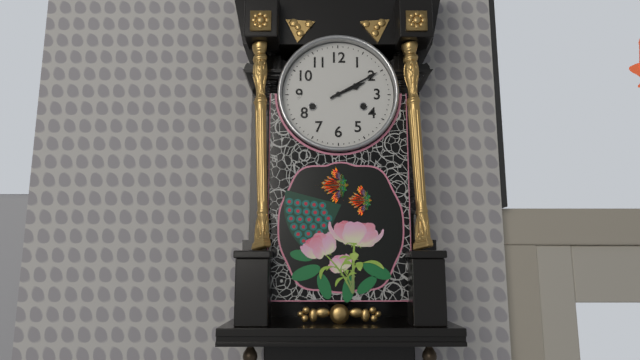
2:10
